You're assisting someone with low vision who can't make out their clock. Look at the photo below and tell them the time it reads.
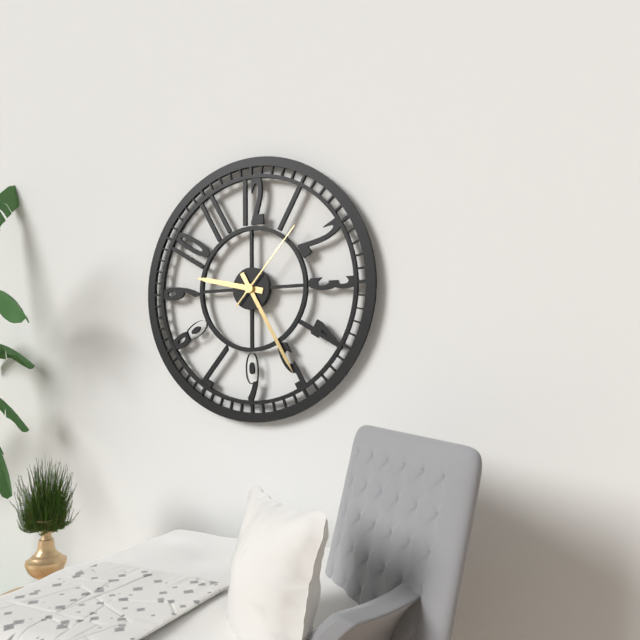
9:25:07
